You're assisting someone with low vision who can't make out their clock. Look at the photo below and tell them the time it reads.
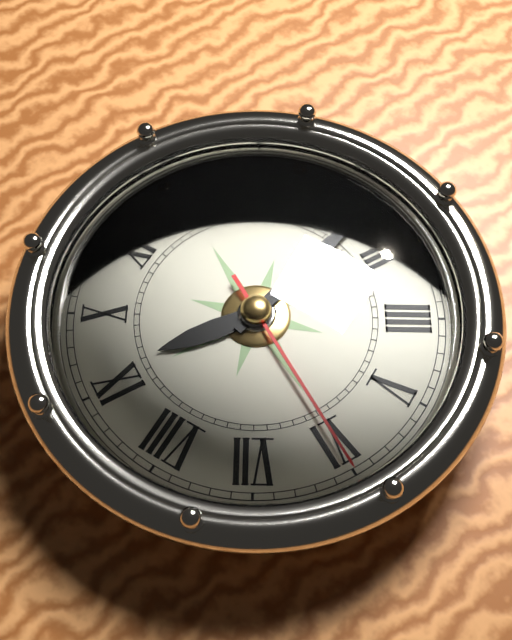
9:12:30
